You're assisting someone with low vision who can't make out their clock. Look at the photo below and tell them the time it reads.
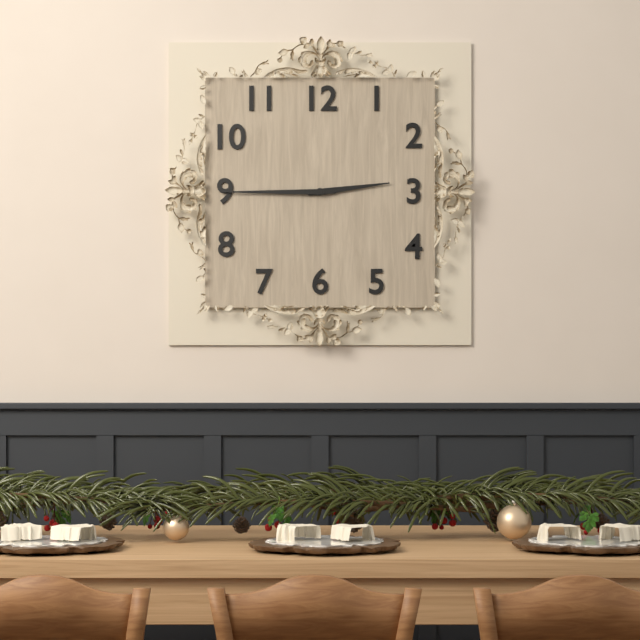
2:45
